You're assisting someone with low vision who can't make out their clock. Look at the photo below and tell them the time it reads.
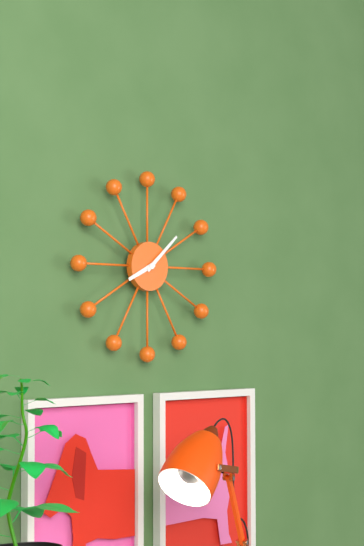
8:08
